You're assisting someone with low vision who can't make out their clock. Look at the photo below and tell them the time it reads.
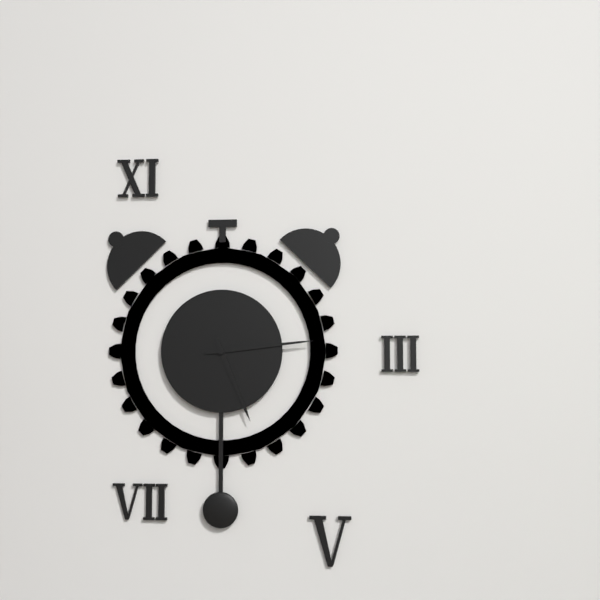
5:14
